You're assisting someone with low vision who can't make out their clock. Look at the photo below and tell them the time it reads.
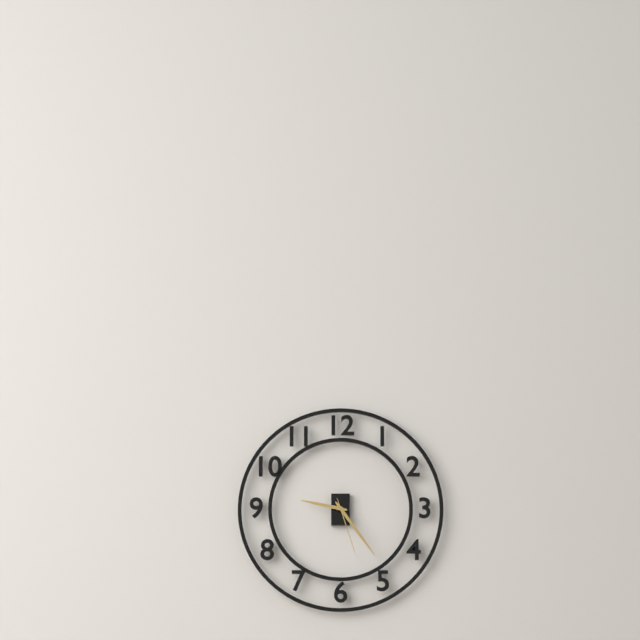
9:24:27
